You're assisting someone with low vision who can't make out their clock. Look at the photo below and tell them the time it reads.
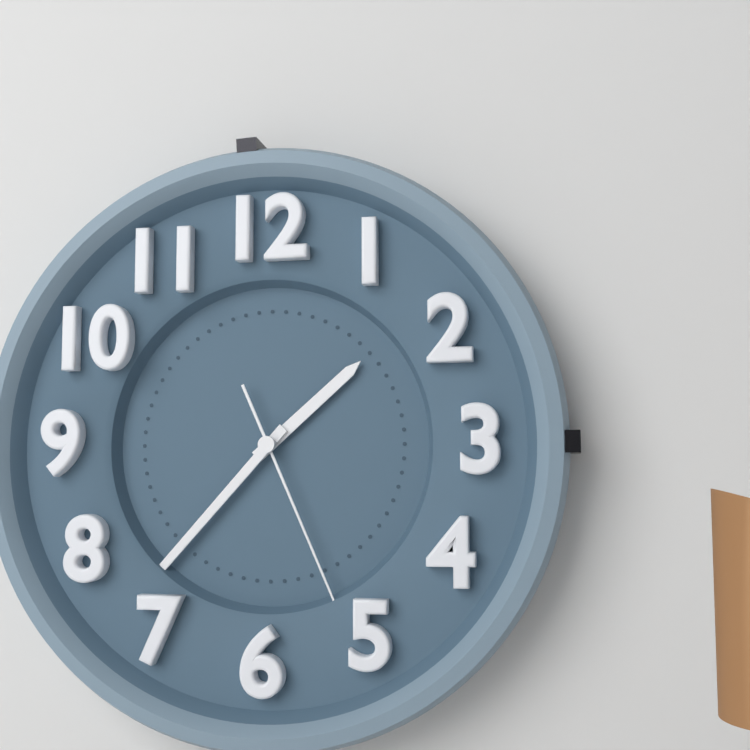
1:37:26
